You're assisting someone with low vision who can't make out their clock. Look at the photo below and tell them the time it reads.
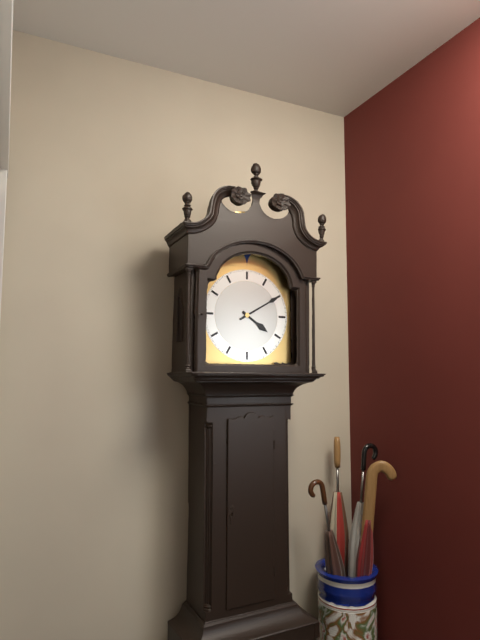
4:10
